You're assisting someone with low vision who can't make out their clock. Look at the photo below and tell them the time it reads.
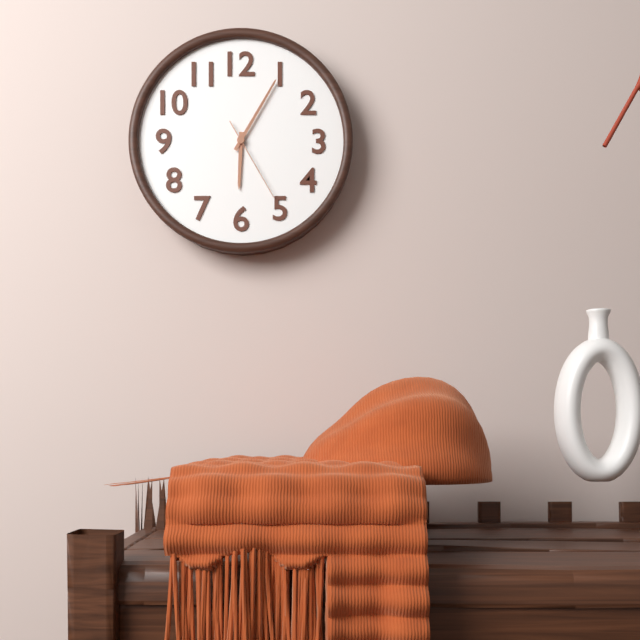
6:05:25
